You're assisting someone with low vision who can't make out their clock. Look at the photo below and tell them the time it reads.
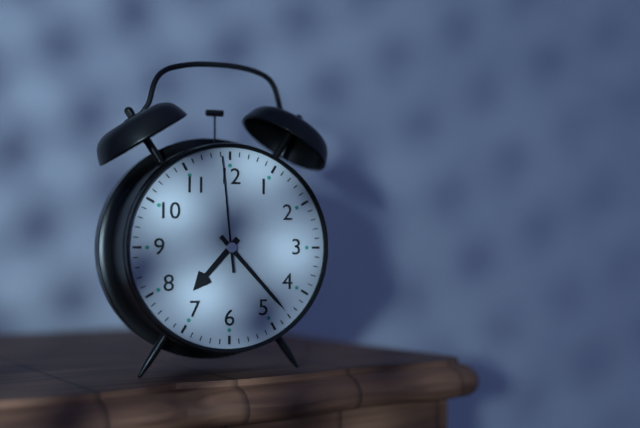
7:23:59
